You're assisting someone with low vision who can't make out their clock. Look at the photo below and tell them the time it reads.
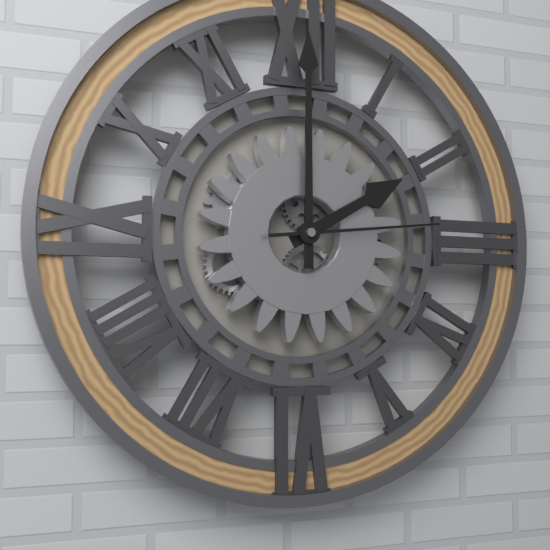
2:00:14
